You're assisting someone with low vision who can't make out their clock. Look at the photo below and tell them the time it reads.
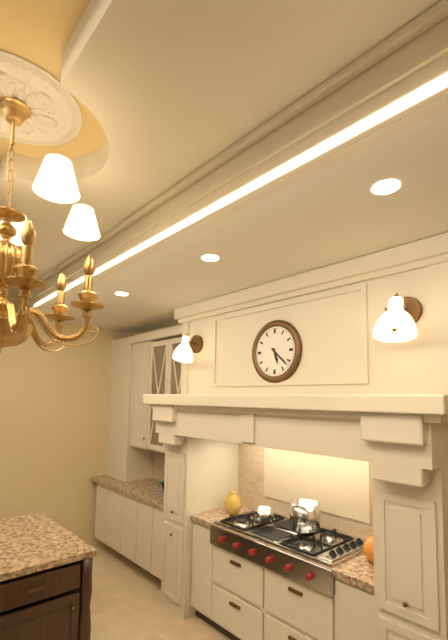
5:22
